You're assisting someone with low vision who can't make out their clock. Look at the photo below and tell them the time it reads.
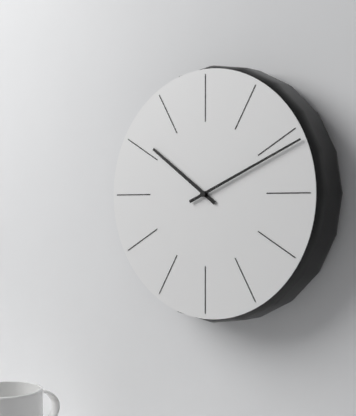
10:11
